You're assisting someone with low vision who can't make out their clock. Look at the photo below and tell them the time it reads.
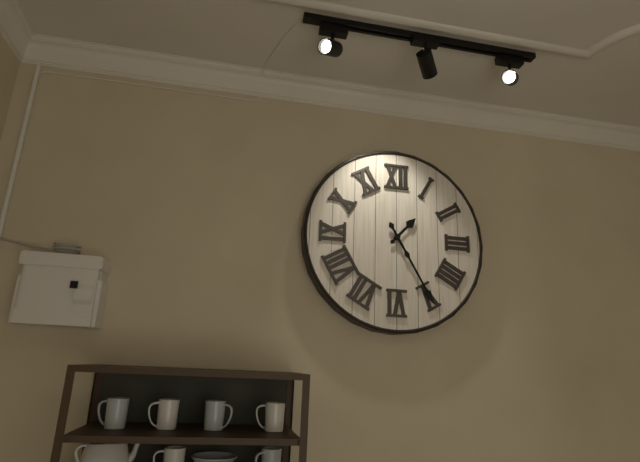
1:25
